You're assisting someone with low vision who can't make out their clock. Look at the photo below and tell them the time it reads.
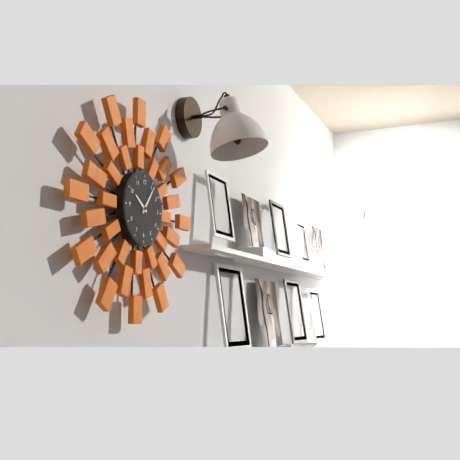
10:06
